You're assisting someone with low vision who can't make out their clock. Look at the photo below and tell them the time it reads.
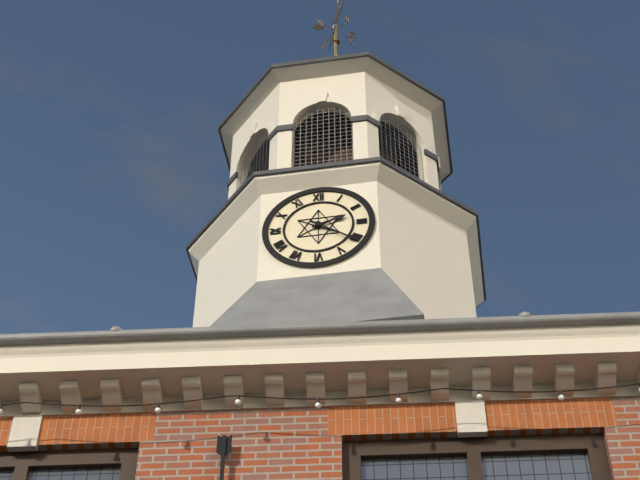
2:21
